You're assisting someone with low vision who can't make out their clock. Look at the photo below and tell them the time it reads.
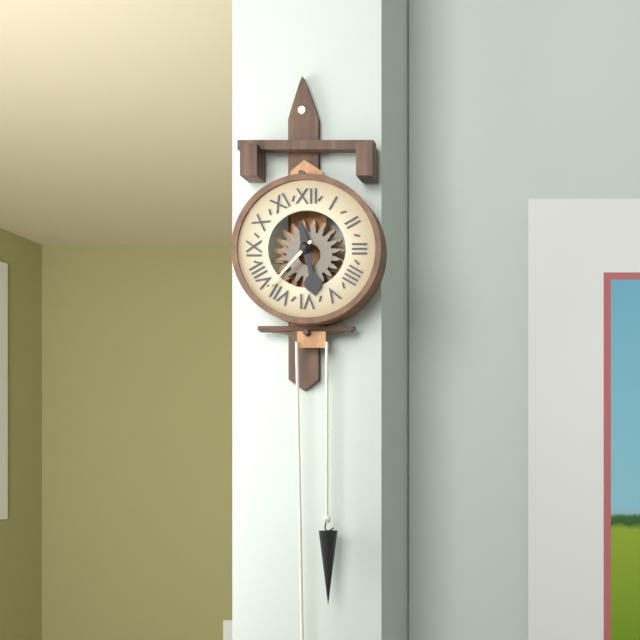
5:37
